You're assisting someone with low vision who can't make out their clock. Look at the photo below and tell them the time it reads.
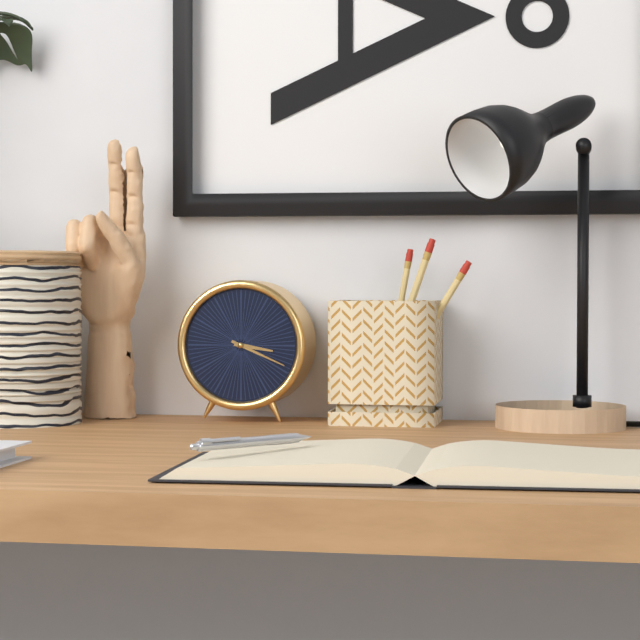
3:19
